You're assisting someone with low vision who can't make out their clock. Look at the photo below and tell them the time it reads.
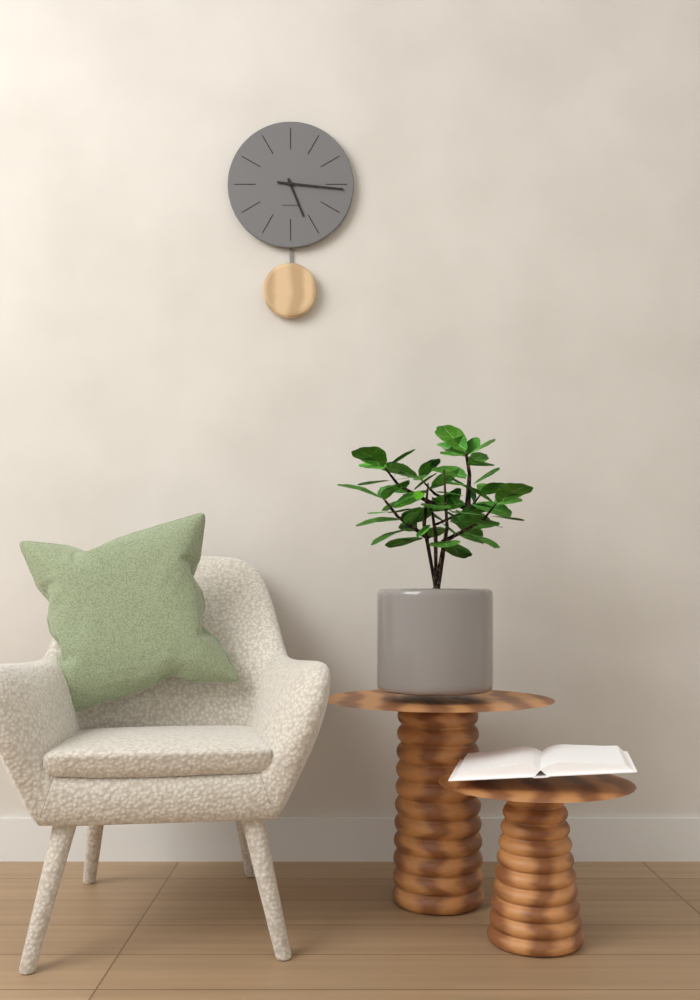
5:16
